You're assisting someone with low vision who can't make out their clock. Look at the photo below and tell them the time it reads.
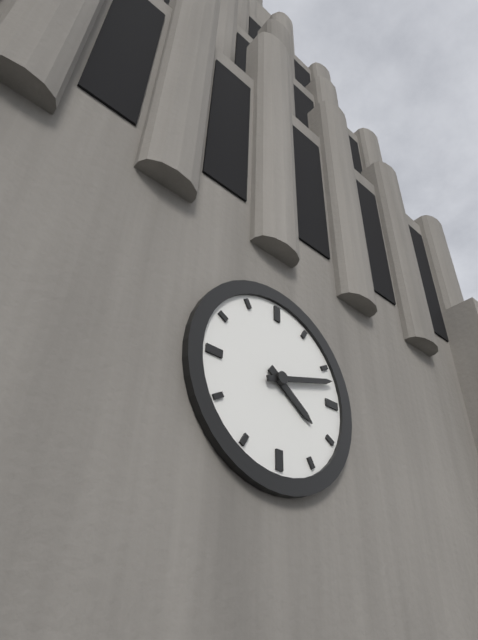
4:12
